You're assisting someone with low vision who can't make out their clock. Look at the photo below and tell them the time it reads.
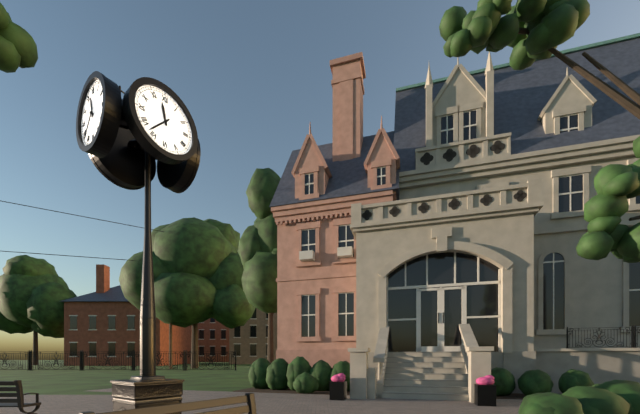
11:37
